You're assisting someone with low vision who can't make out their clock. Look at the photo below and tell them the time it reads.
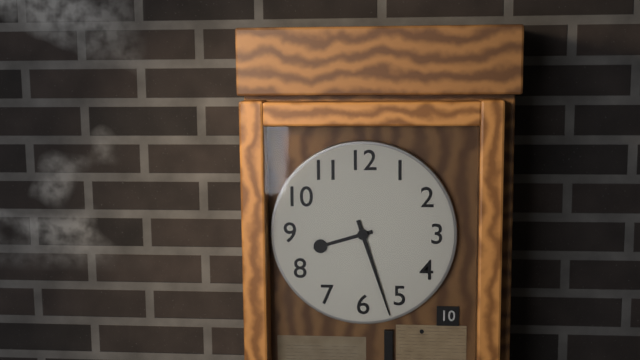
8:27
